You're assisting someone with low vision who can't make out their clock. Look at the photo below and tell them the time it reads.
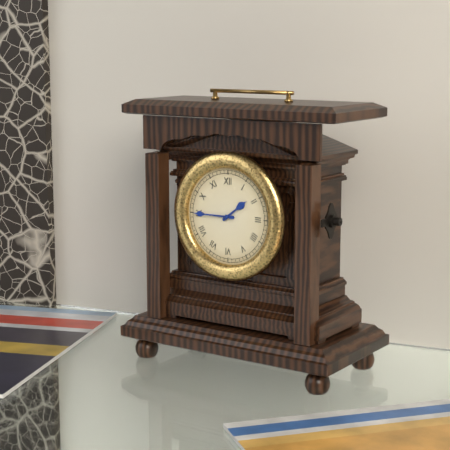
1:45
